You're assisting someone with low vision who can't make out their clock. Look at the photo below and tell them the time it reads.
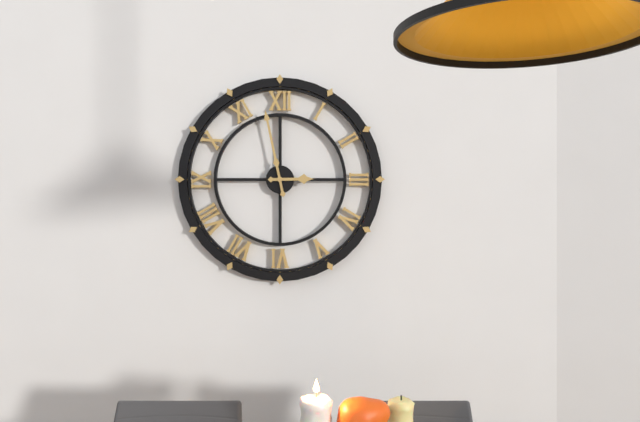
2:58
